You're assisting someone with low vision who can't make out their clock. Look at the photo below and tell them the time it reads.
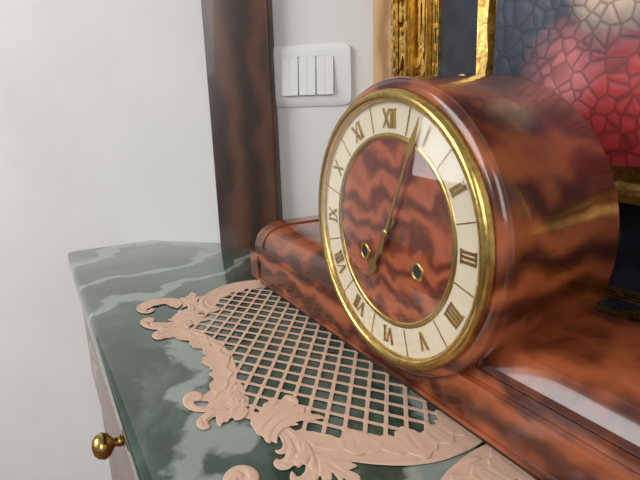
7:04
